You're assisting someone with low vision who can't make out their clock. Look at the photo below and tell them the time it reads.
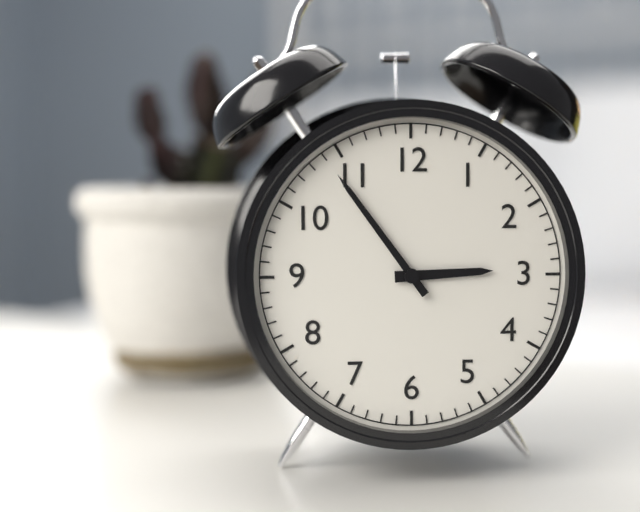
2:54
